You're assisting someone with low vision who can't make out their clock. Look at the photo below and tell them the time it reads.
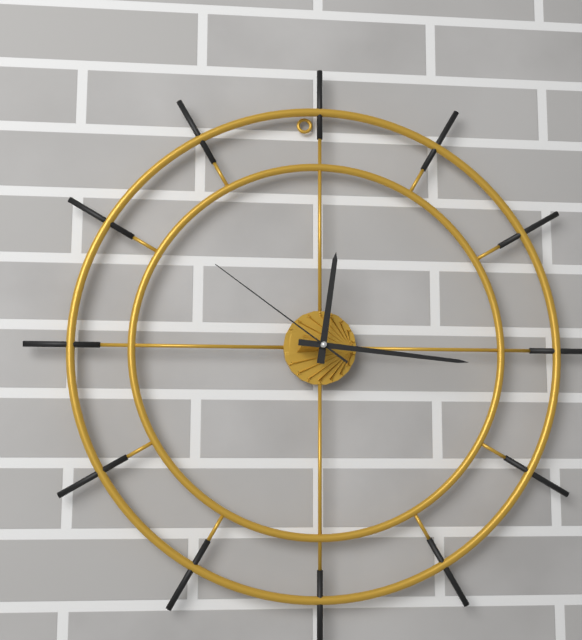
12:16:51
